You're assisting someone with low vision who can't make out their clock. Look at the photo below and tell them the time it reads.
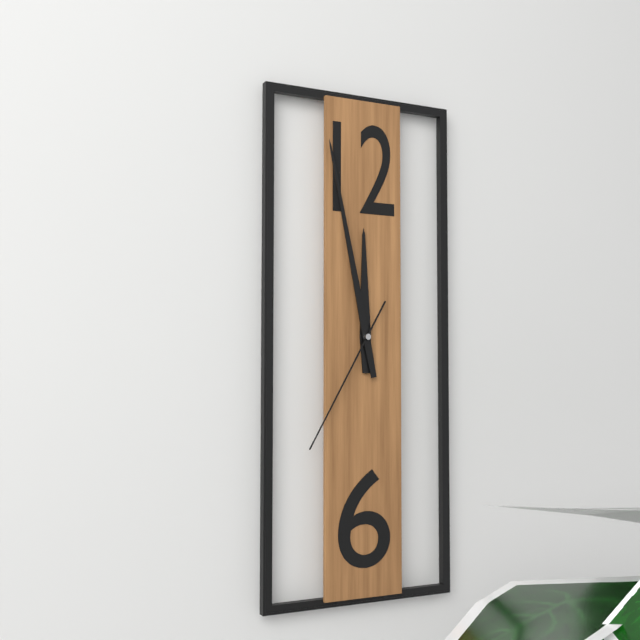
11:58:35
